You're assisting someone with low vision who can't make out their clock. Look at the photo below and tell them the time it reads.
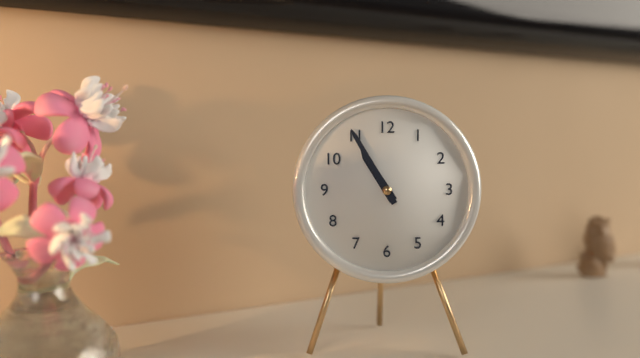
10:55
